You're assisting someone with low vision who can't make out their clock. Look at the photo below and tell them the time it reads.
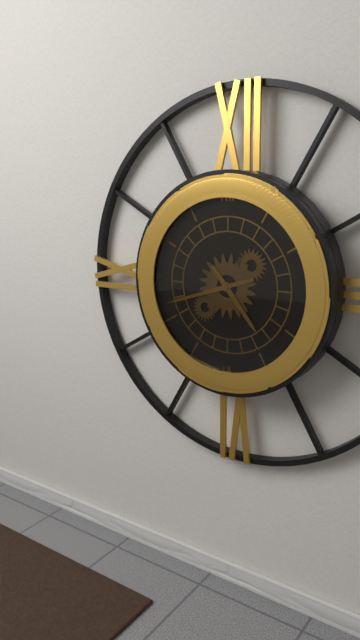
4:42
